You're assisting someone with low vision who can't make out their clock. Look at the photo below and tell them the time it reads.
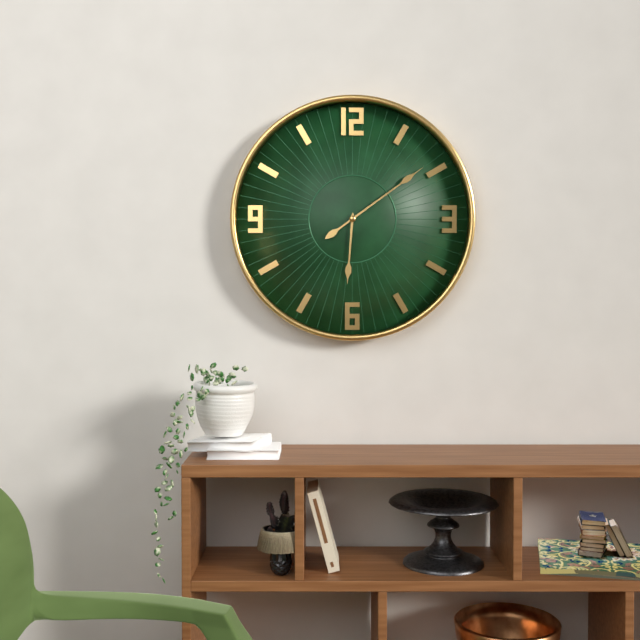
6:09
